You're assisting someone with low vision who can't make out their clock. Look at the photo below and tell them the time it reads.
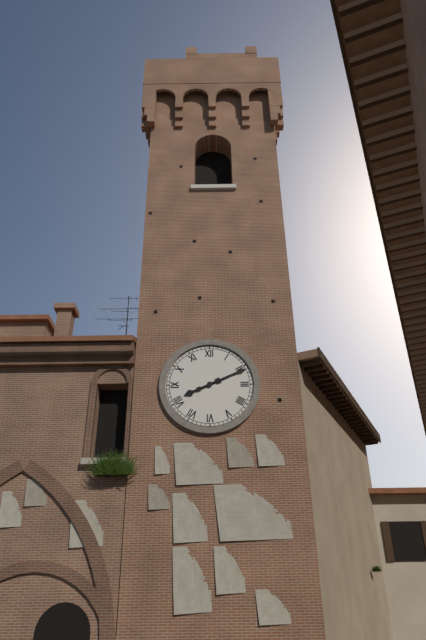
8:11
